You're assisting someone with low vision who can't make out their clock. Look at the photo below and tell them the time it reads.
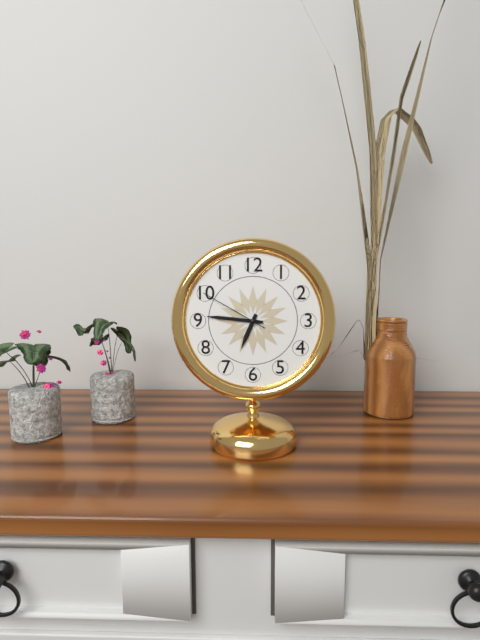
6:46:50
